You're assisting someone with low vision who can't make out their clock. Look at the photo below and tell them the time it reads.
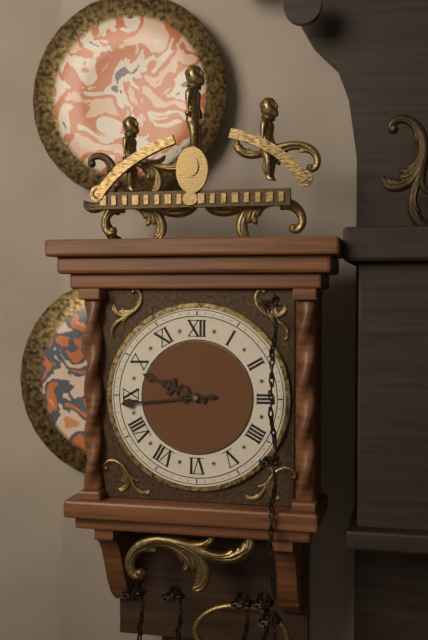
9:44
